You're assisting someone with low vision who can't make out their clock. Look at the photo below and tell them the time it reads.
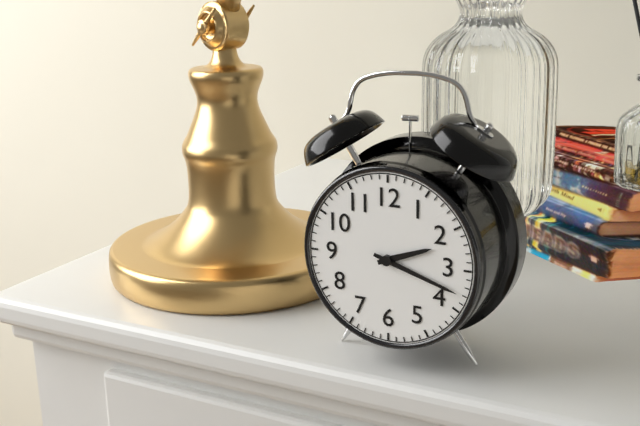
2:18
